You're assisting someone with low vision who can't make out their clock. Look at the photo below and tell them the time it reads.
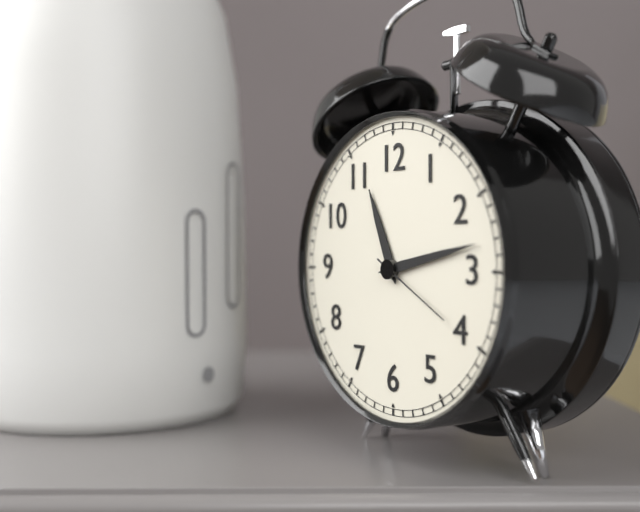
11:13:20
